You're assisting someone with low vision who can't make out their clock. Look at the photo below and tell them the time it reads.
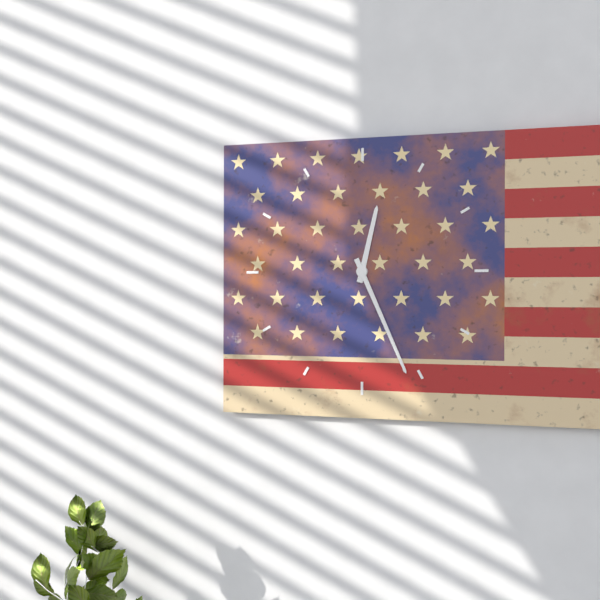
12:26
